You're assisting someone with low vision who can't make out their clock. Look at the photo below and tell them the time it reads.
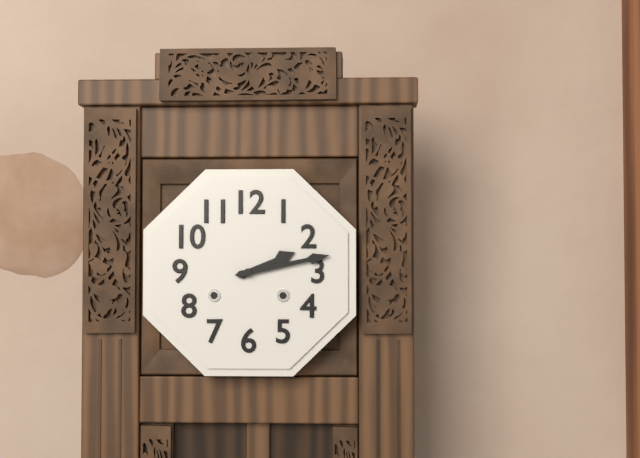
2:13
